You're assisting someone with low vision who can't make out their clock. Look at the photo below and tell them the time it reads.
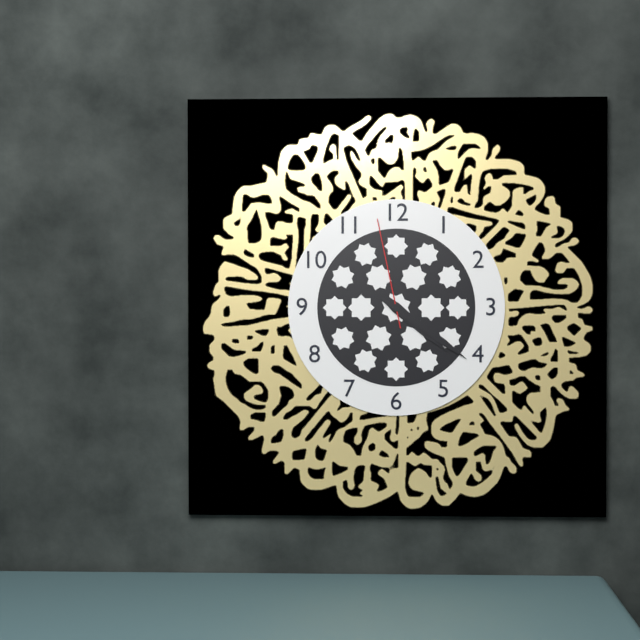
4:21:58
